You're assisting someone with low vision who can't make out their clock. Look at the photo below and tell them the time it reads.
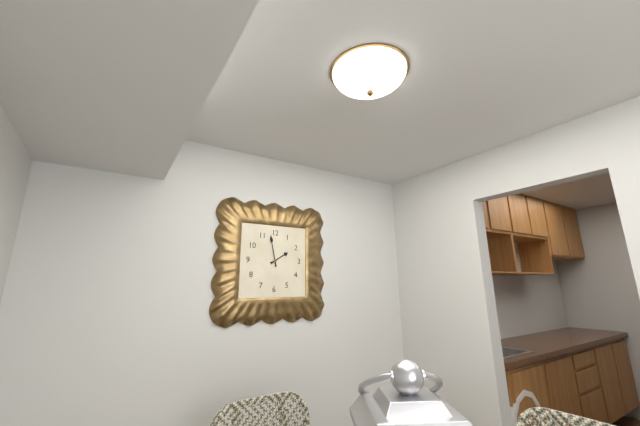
1:58
